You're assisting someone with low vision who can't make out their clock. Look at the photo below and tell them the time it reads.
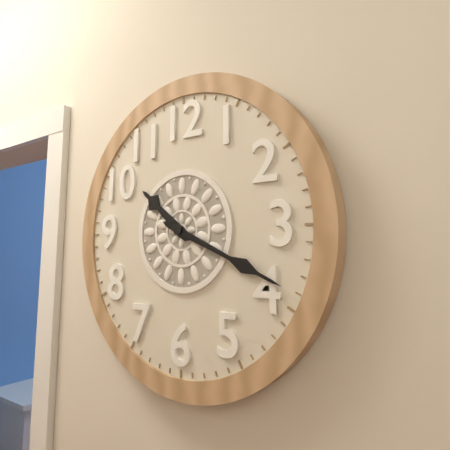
10:19
